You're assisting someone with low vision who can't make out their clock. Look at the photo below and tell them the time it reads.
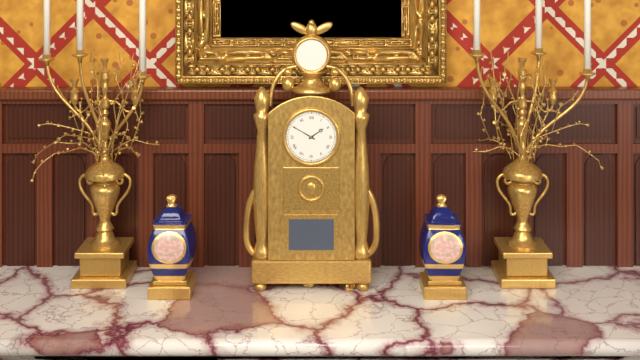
1:50
